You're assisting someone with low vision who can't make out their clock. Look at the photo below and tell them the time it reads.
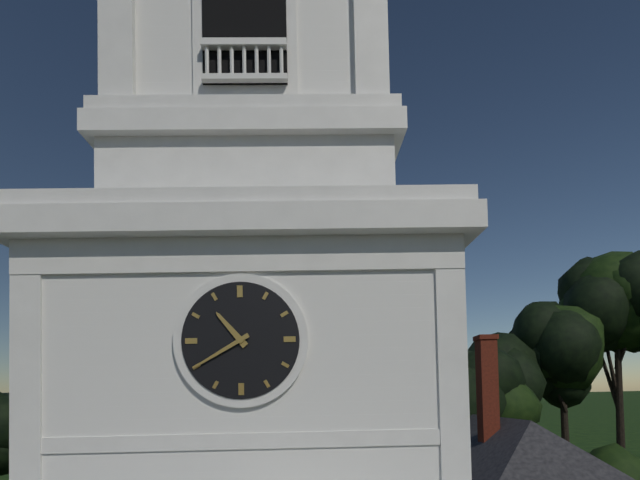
10:40
